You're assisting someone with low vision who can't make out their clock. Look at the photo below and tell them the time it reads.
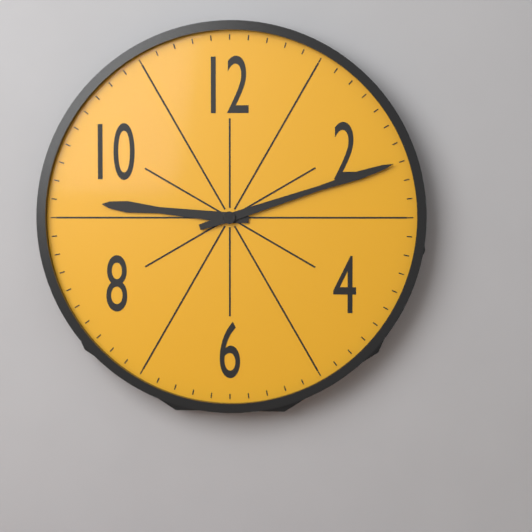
9:12
